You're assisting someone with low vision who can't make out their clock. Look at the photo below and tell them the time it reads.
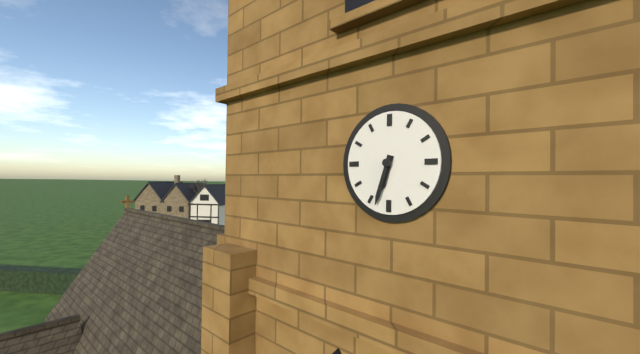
6:33
